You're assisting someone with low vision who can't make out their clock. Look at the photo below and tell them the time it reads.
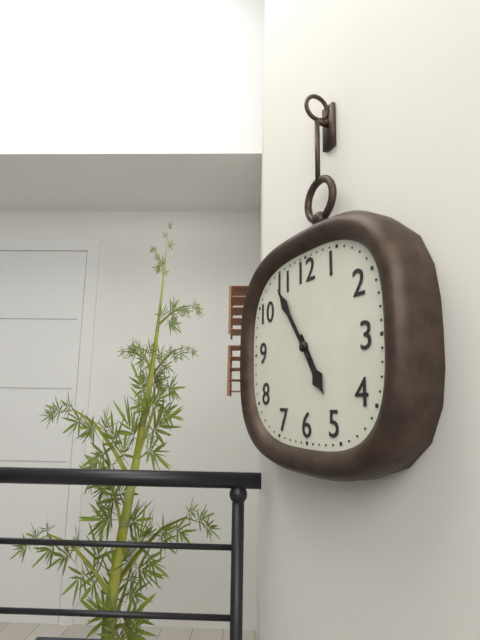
4:54
